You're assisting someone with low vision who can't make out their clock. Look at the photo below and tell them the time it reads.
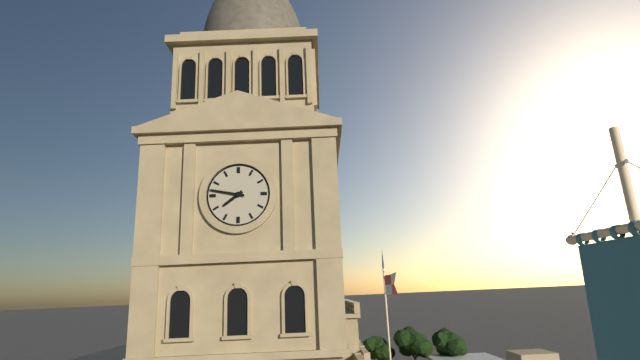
7:47
